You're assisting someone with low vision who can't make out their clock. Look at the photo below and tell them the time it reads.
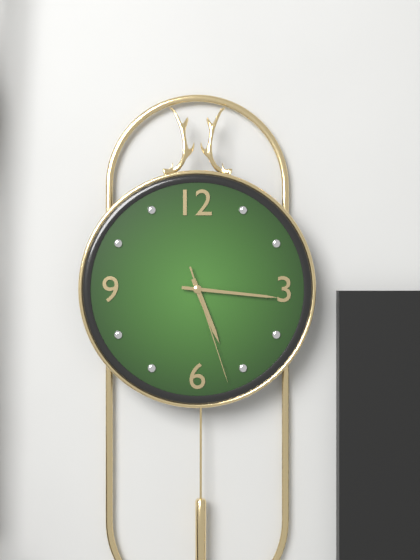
5:16:27
